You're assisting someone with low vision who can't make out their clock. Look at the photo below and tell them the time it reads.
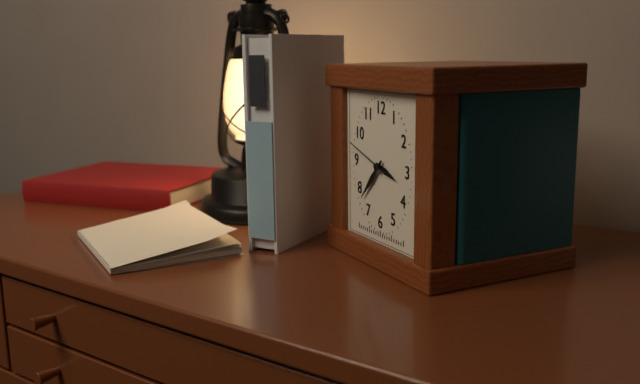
3:37
